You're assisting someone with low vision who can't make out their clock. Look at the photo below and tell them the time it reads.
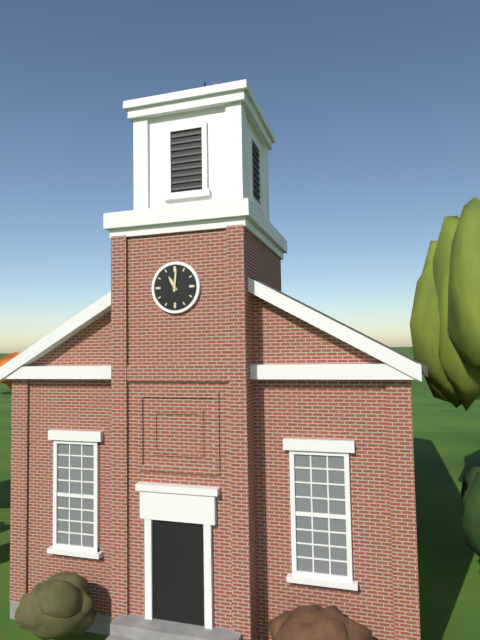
11:01
